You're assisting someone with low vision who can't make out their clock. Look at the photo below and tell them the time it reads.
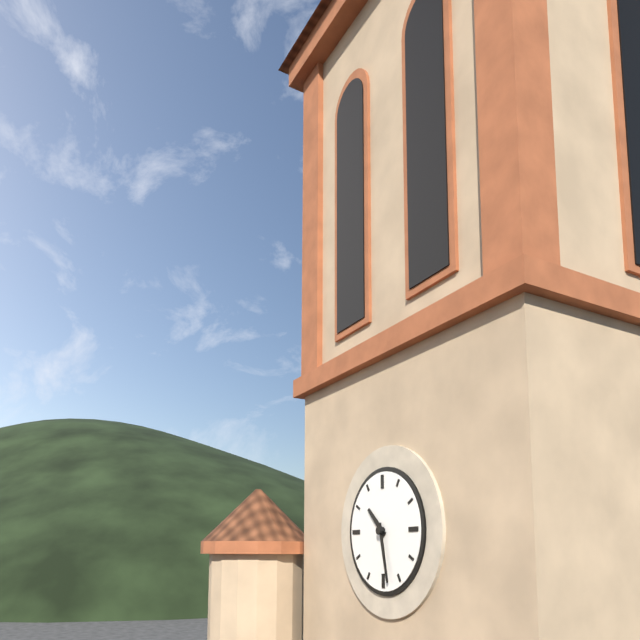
10:28
